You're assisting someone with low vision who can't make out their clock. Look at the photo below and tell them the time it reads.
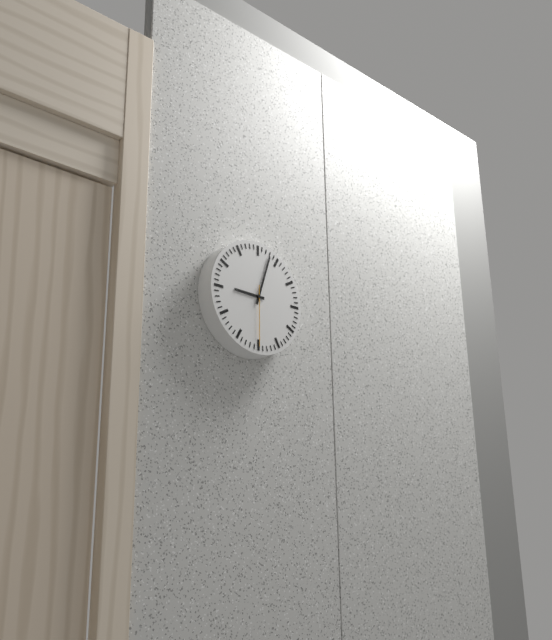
9:03:30
